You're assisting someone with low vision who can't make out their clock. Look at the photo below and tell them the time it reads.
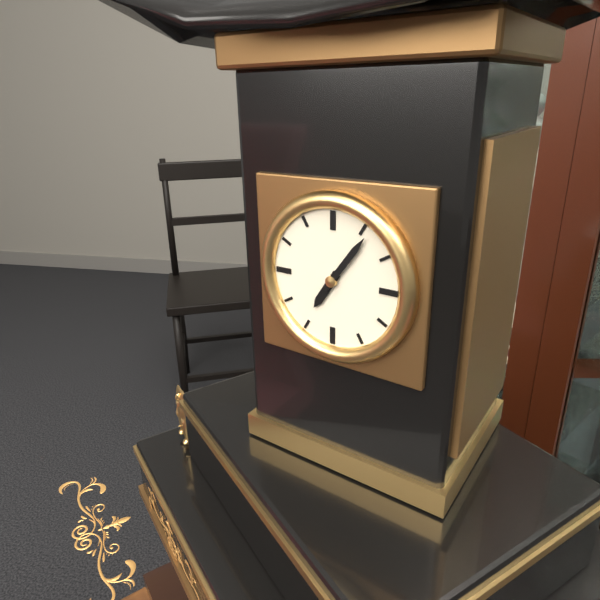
7:06
